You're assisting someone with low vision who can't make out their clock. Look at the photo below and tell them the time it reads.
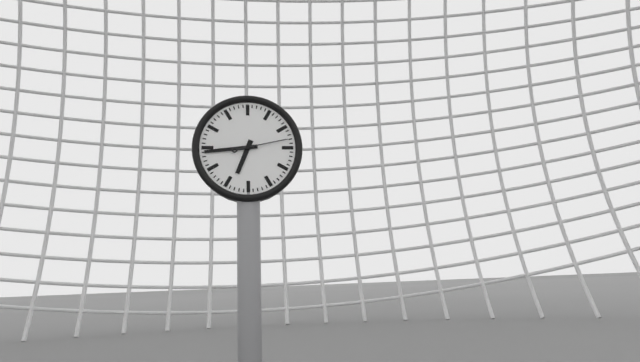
6:44:13
